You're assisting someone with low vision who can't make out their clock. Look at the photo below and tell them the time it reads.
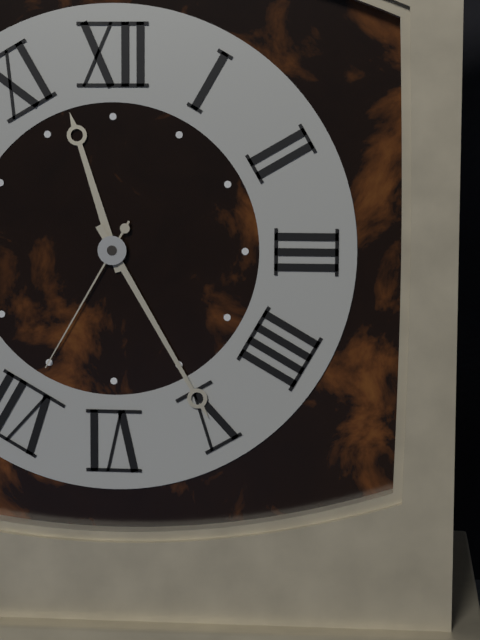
11:25:35
